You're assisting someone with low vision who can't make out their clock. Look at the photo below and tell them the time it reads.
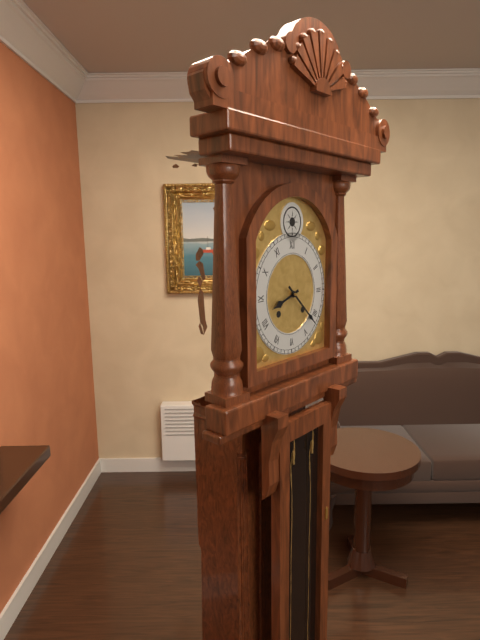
8:22
